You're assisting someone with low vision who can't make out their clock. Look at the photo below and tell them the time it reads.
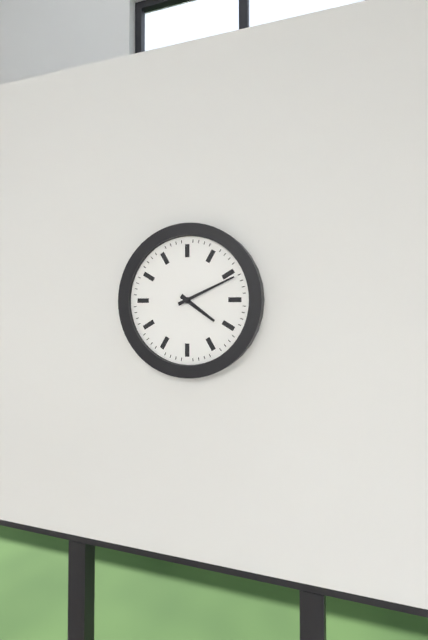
4:11
